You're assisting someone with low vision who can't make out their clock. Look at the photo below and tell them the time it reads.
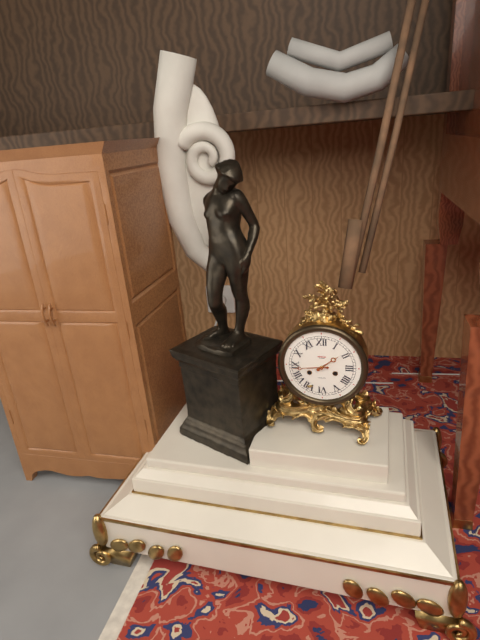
1:44
